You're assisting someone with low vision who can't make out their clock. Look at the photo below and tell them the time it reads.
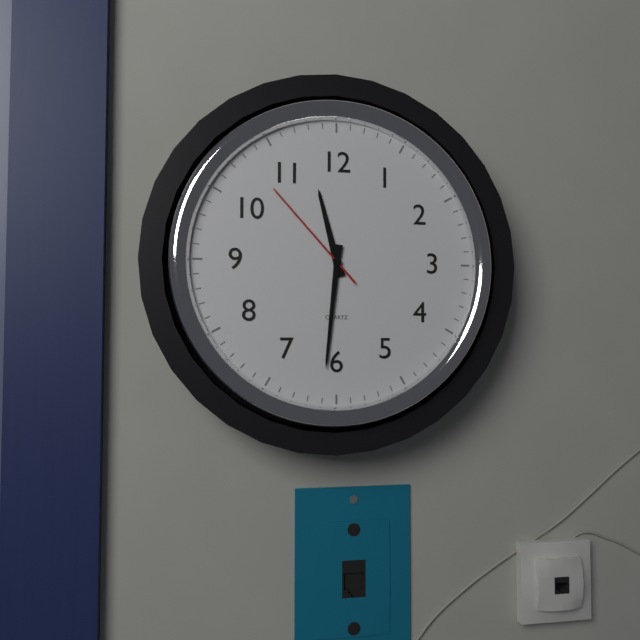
11:31:53
